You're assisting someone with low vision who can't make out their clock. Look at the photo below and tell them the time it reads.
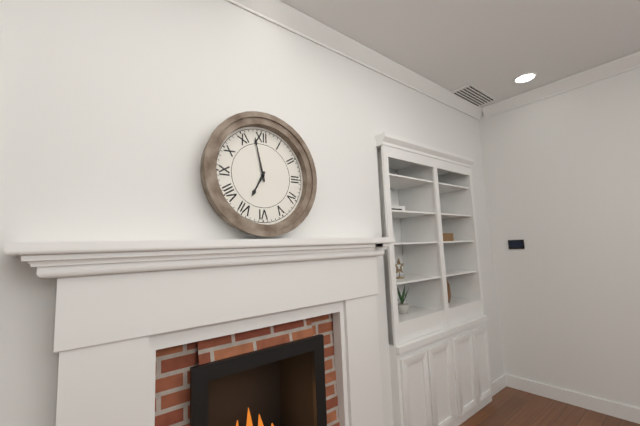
6:58
